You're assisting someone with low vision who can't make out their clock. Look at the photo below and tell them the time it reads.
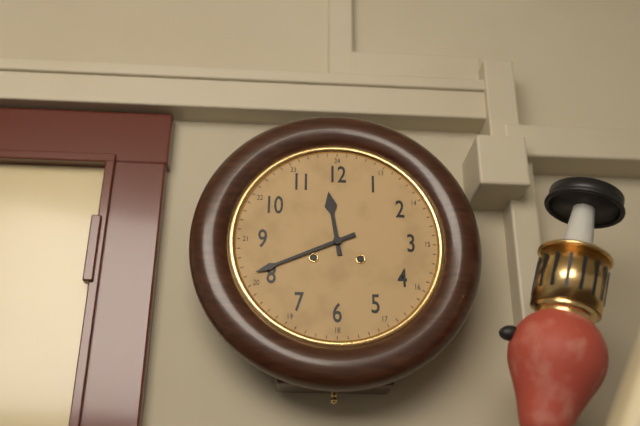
11:41
